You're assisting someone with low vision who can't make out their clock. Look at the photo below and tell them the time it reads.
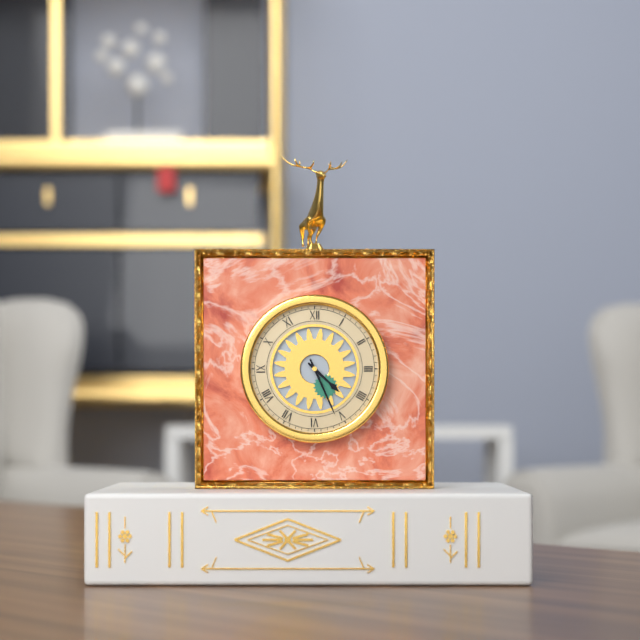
4:26
